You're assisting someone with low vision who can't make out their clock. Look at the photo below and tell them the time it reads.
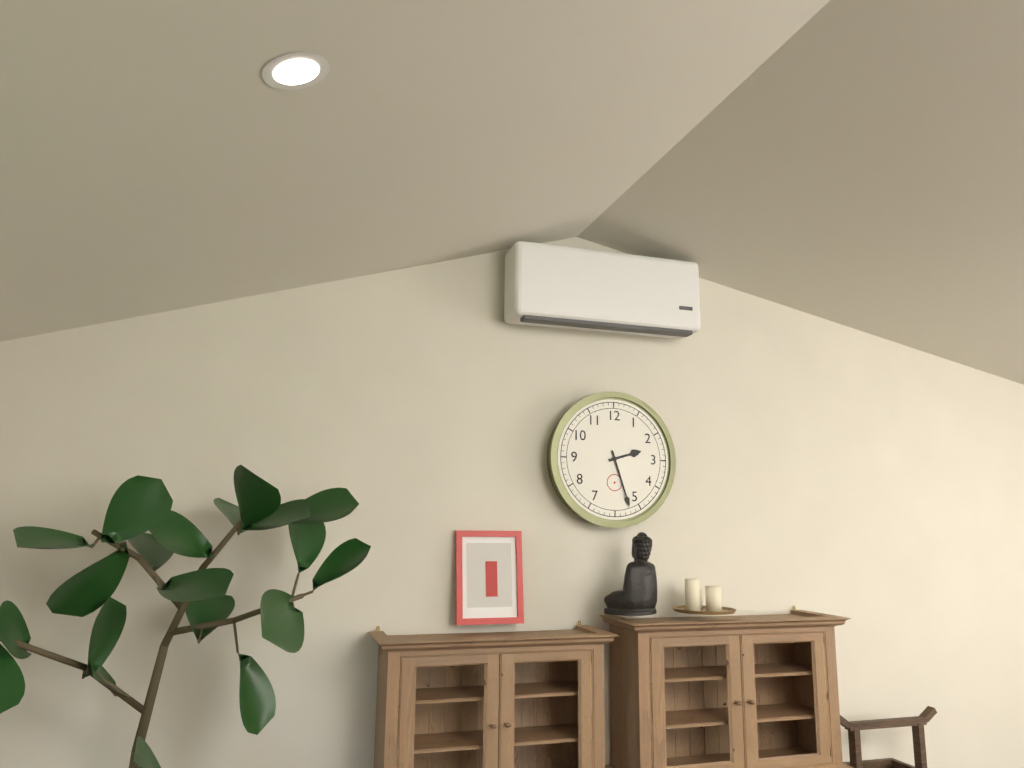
2:27
